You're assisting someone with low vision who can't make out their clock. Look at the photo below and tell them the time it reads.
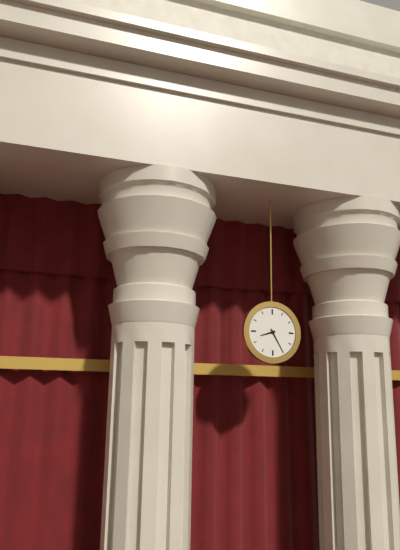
8:25
